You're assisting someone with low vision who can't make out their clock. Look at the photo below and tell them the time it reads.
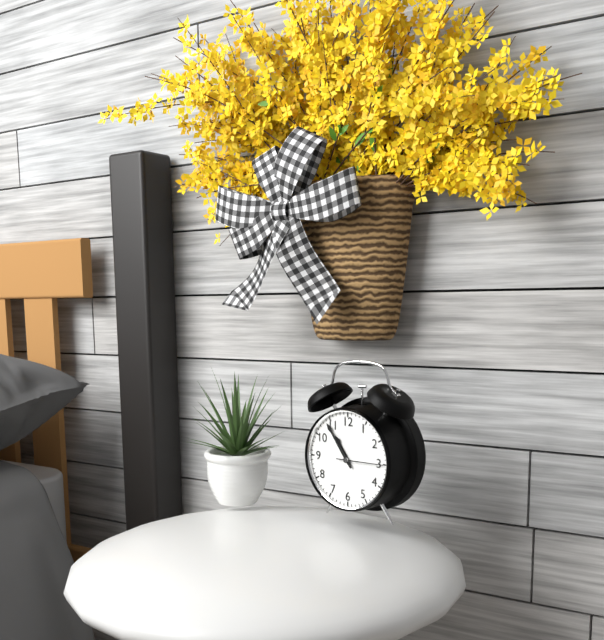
10:54
